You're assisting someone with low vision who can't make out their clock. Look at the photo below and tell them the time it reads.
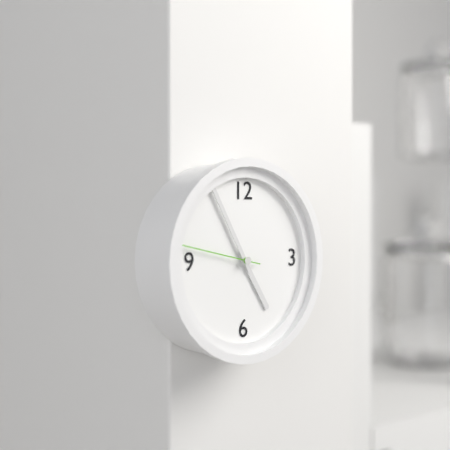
4:55:47
